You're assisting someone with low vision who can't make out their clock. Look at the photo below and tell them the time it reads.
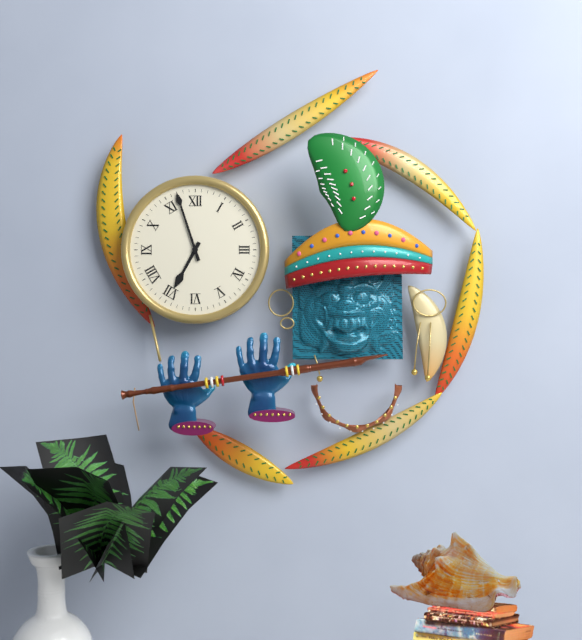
6:57
